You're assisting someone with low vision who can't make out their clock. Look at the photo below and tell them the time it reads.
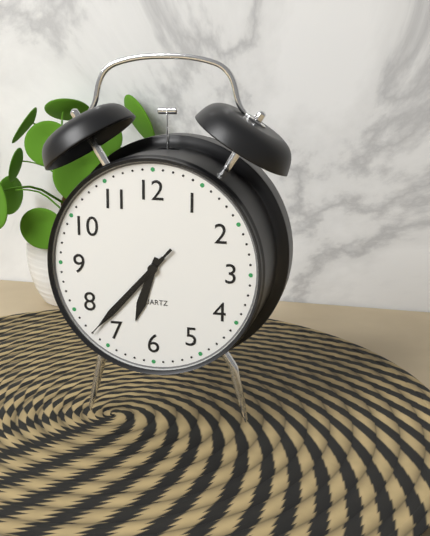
6:37:37
